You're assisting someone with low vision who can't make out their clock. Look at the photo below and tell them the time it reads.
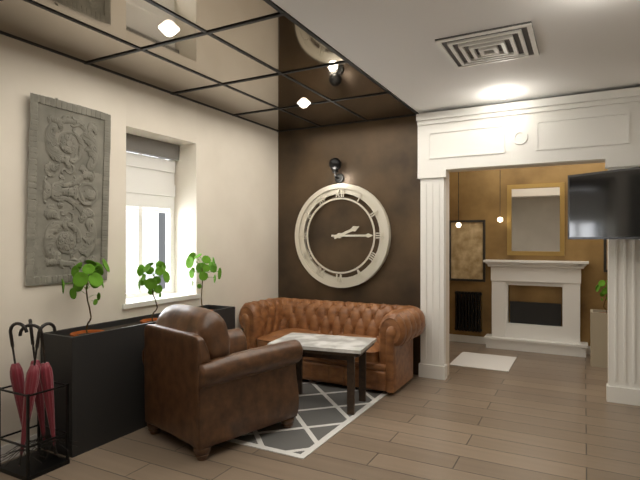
2:15
